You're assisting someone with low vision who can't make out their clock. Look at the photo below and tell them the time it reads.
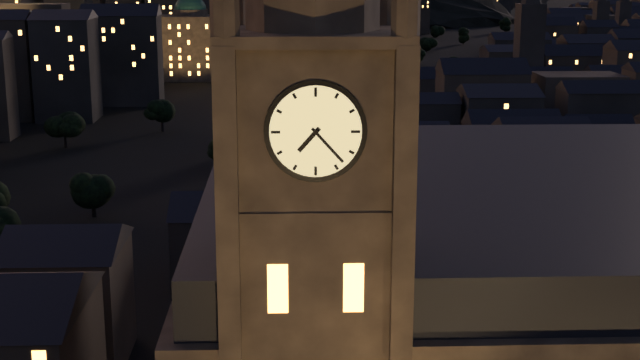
7:23
